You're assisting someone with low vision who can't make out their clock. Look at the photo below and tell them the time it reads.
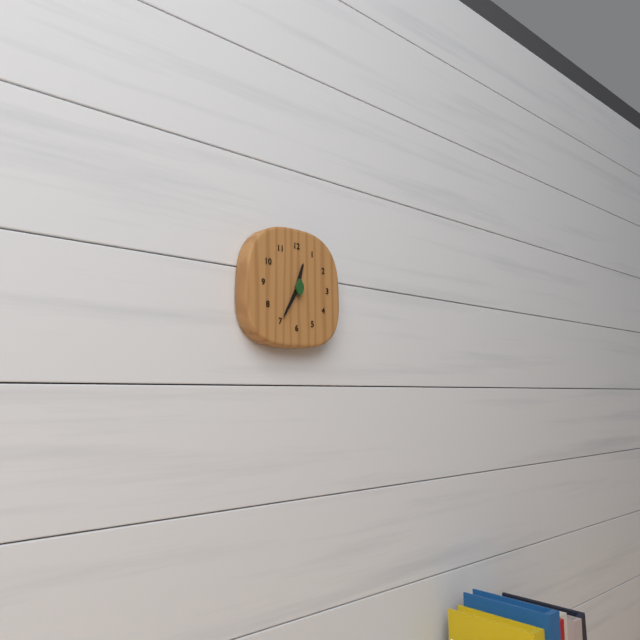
12:35
